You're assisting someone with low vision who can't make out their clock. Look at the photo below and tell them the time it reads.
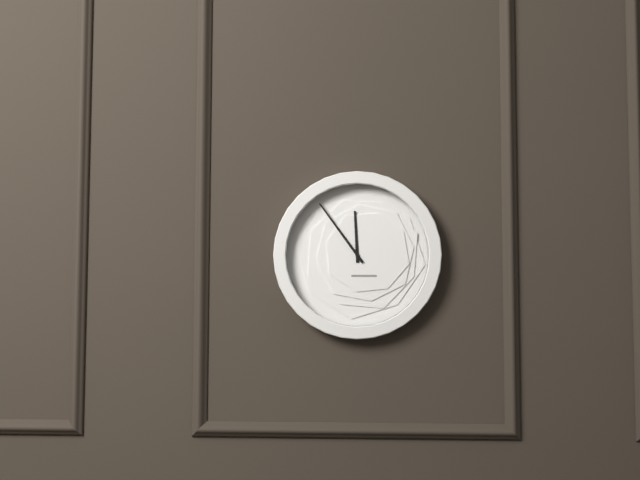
11:54
